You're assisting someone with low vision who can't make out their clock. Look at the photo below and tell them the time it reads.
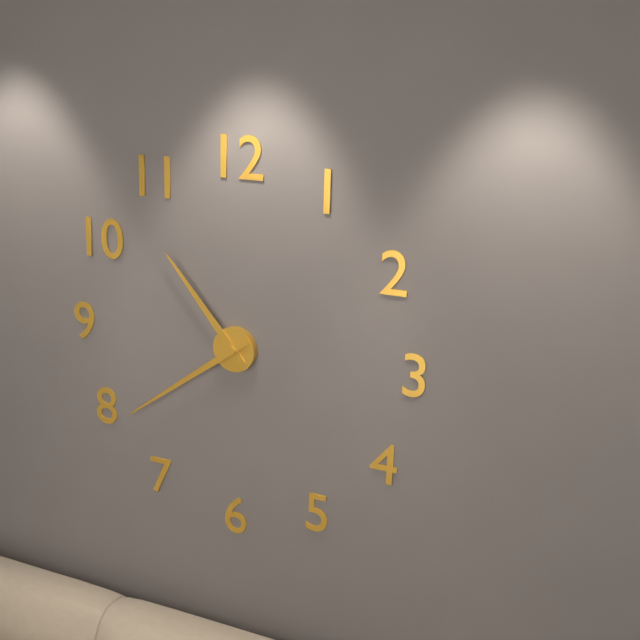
10:39
